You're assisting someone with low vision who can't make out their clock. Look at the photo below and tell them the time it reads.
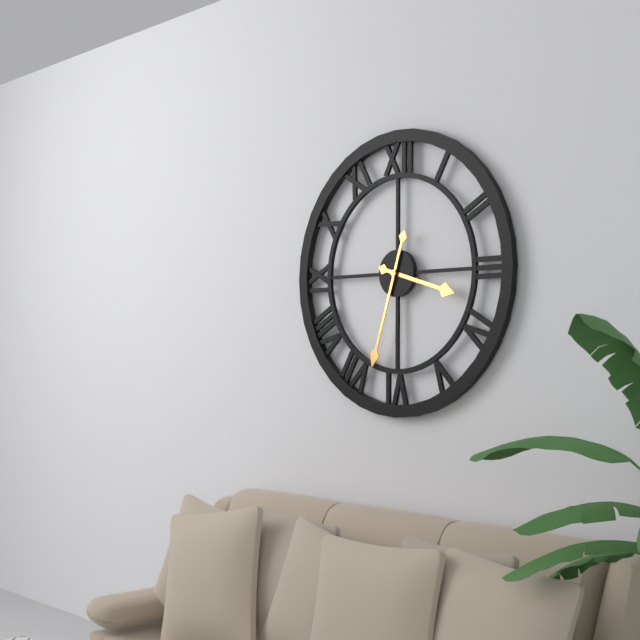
3:33
